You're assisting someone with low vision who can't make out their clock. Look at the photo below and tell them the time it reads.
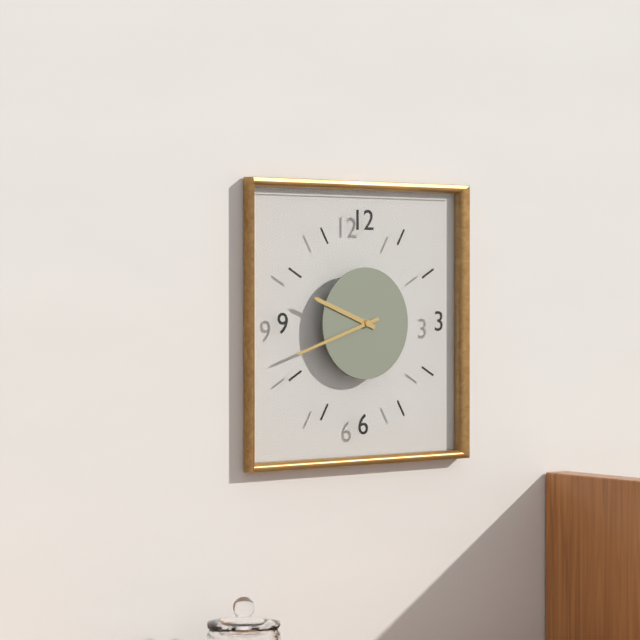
9:42
